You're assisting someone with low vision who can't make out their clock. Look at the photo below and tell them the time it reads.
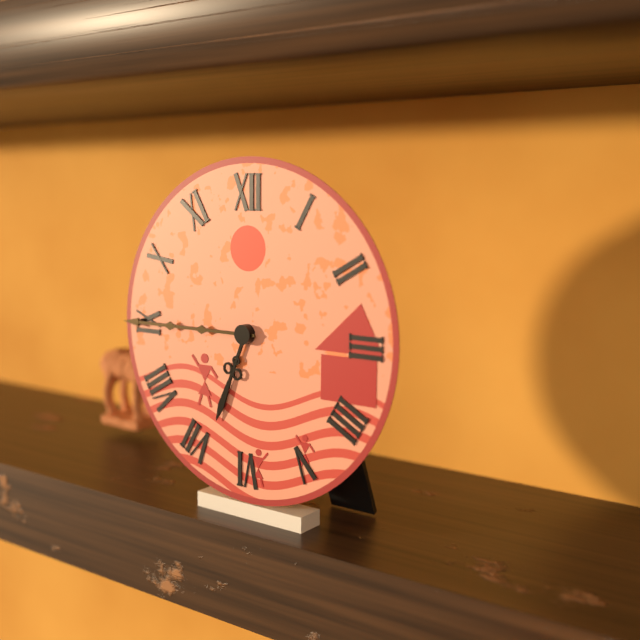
6:45
